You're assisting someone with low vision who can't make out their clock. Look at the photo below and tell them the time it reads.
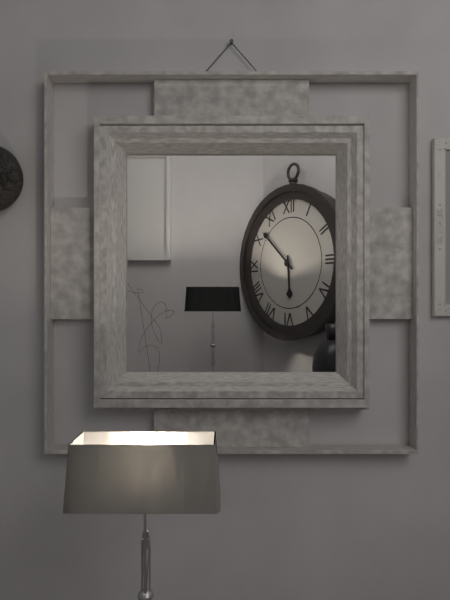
5:52
